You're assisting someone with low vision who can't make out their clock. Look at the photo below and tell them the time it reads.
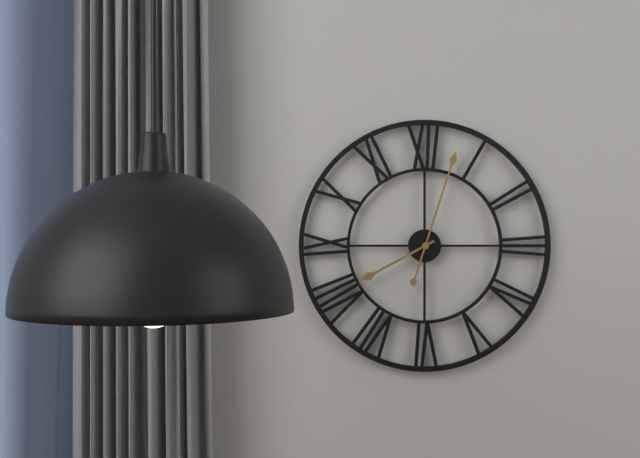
8:03
